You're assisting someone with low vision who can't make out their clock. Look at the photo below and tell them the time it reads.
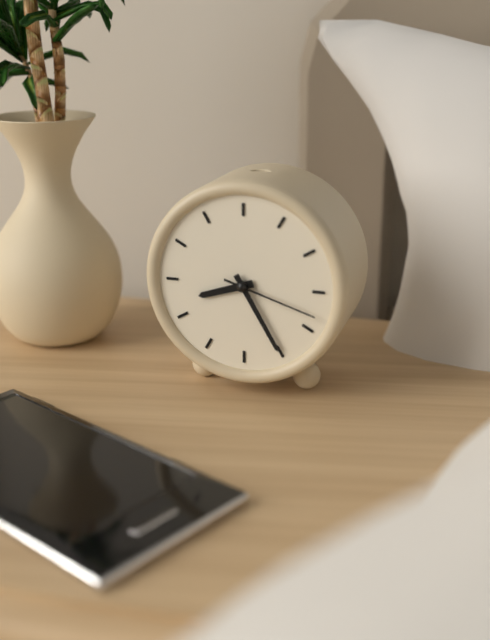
8:25:18
